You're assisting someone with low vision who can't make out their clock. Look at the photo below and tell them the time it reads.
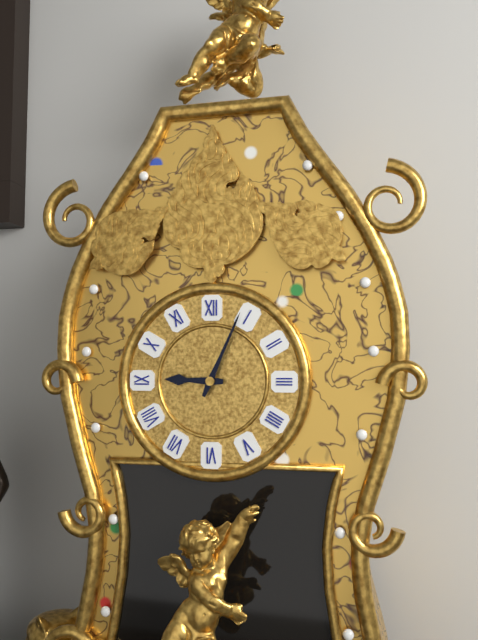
9:04
